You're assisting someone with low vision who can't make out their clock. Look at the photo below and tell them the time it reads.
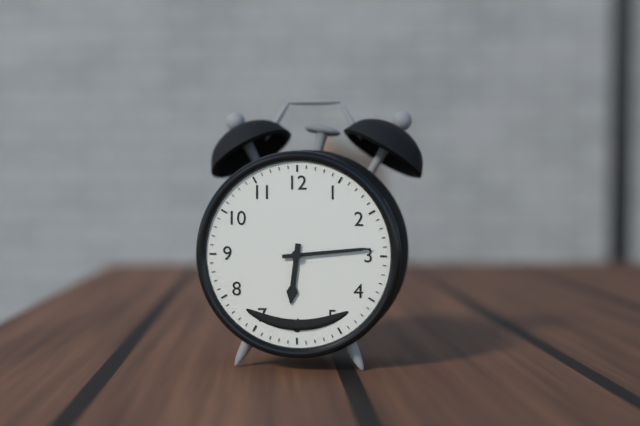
6:14
